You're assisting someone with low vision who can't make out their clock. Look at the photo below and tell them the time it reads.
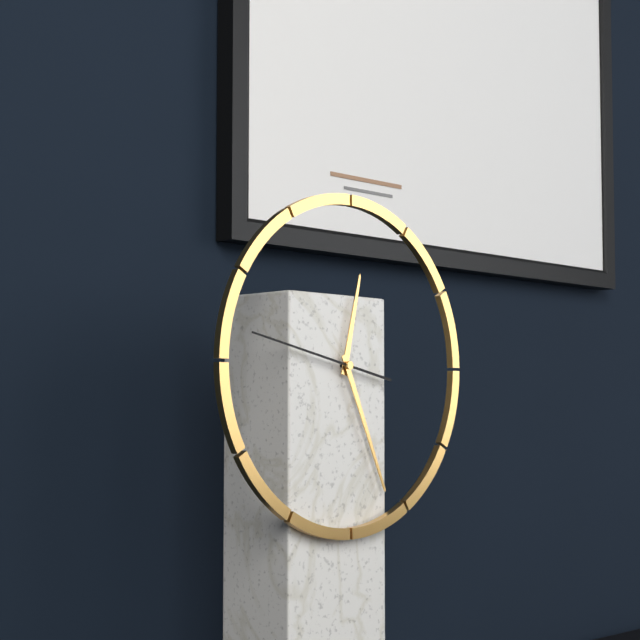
12:26:47
